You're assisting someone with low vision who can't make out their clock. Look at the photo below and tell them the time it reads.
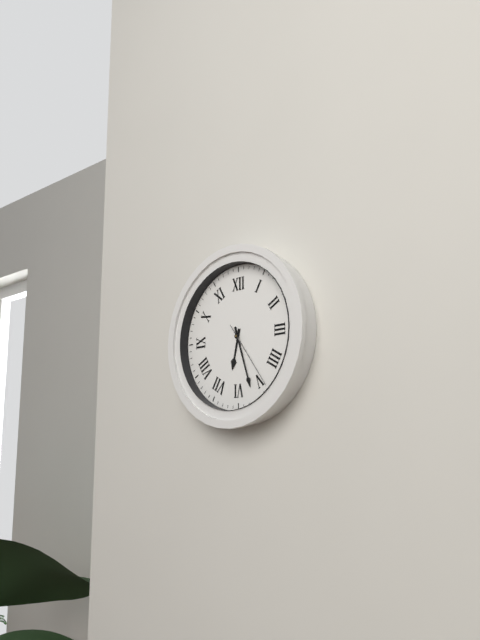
6:27:24
